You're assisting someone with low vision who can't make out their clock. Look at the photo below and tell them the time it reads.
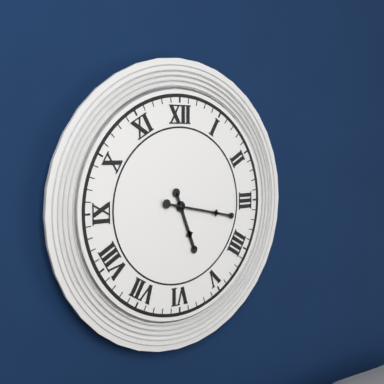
5:17
